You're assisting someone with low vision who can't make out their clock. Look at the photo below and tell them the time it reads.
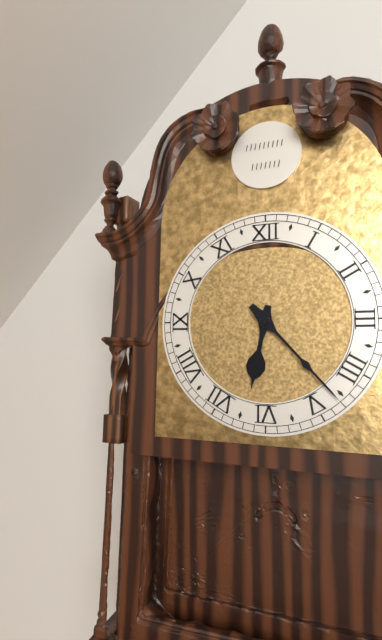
6:23
